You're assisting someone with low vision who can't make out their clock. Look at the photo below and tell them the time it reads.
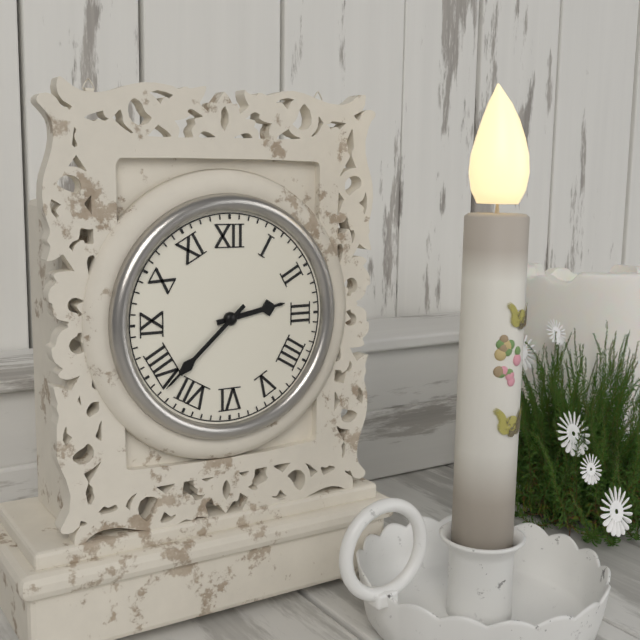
2:38
